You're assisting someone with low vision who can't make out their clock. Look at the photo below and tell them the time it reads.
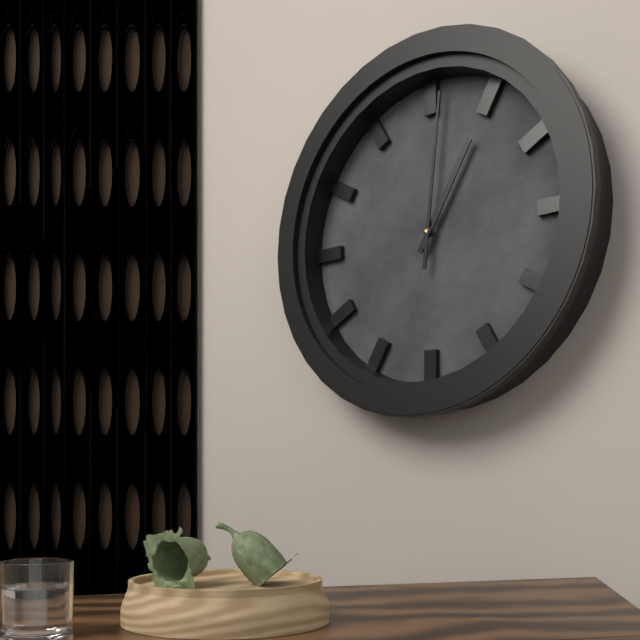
1:01
